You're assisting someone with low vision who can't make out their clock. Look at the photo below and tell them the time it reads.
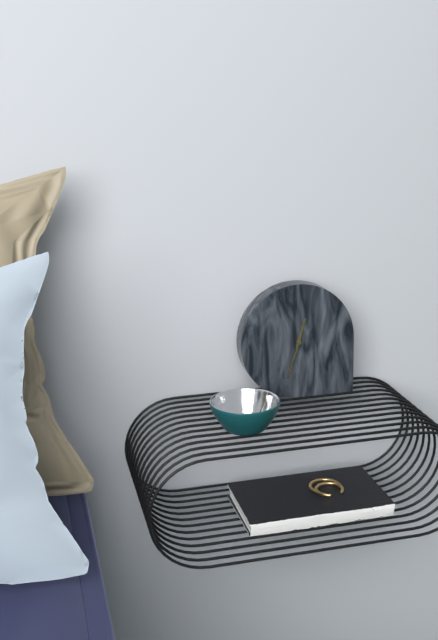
12:33
